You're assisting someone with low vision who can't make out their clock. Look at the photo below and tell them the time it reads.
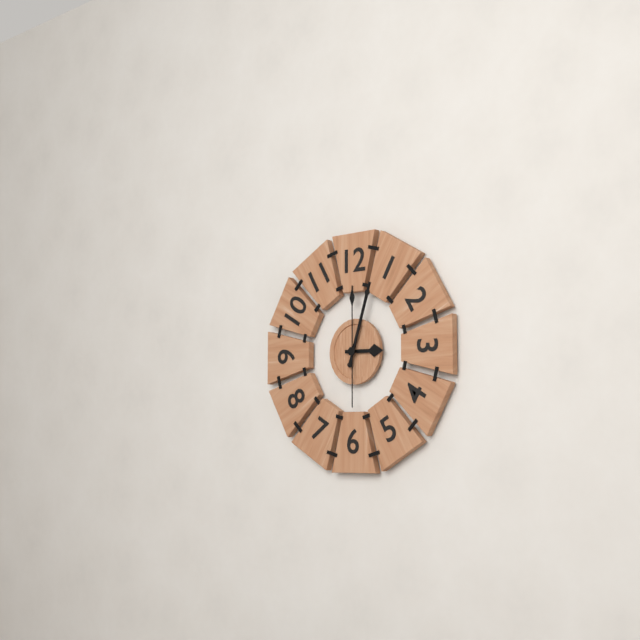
3:03:00
